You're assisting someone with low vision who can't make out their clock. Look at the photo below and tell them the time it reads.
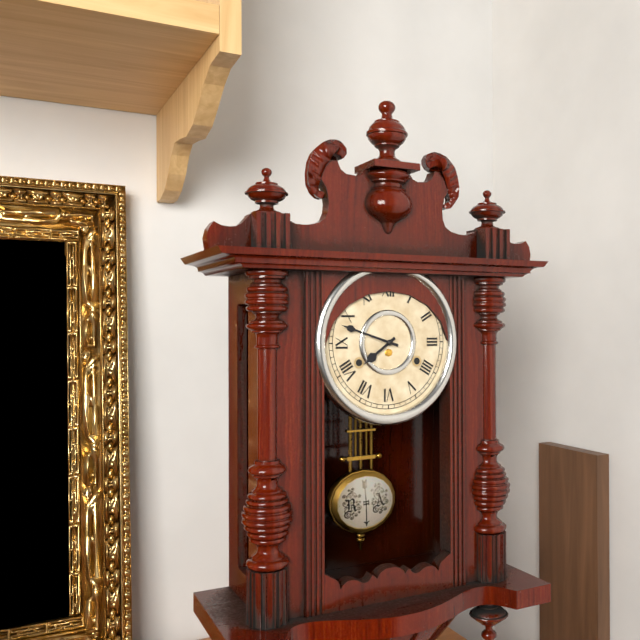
7:48
